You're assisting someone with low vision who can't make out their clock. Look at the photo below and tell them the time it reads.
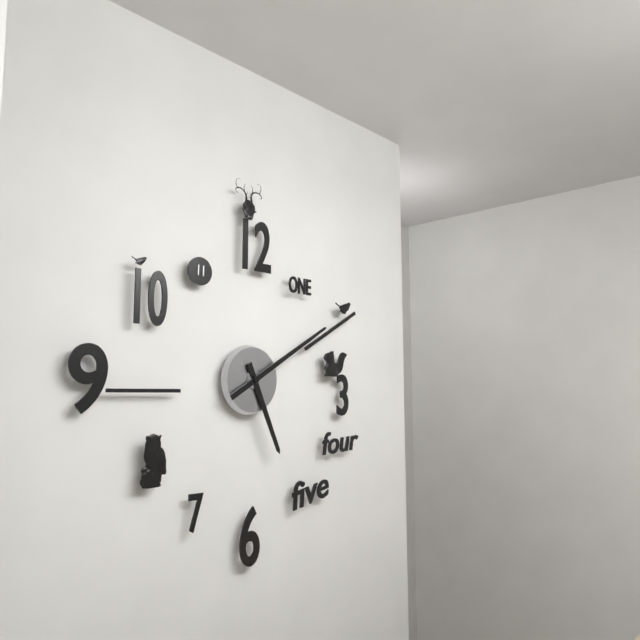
5:10
